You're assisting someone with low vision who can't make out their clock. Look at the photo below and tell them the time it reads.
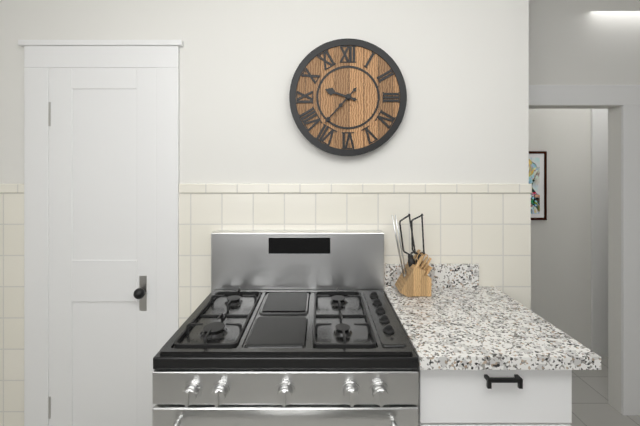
9:37
